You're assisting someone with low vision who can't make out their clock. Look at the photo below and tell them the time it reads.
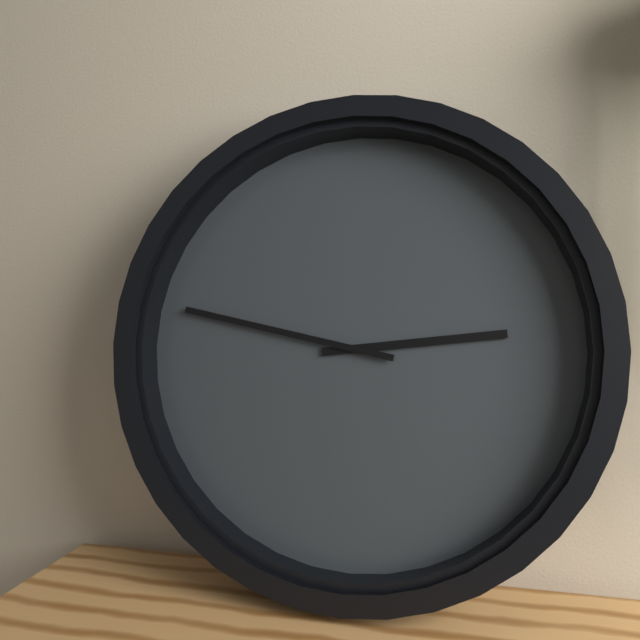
2:47
